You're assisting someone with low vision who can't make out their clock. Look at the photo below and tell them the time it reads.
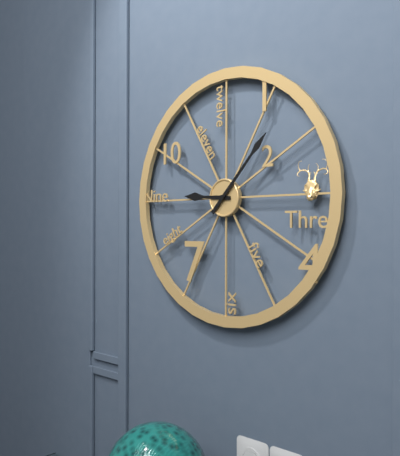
9:07
